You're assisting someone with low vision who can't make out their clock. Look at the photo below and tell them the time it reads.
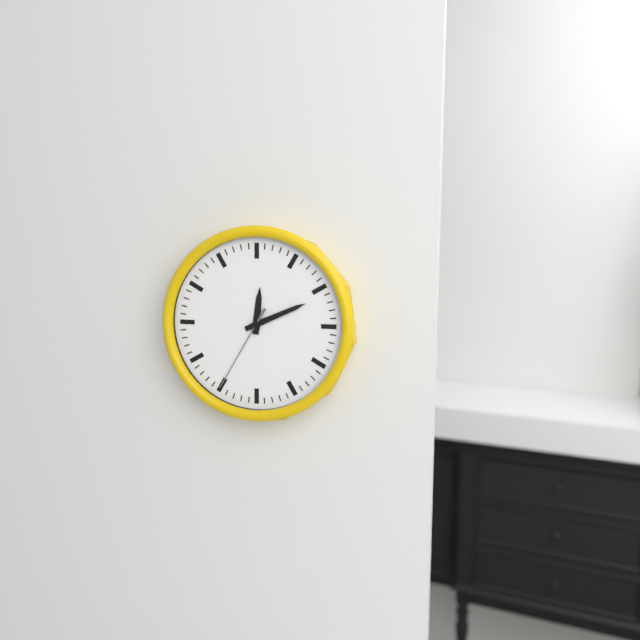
12:11:35
